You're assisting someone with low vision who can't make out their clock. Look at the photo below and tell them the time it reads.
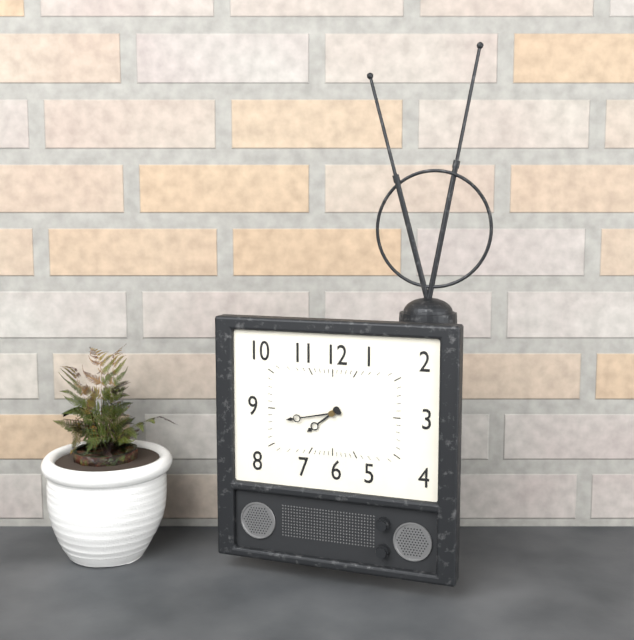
7:43
